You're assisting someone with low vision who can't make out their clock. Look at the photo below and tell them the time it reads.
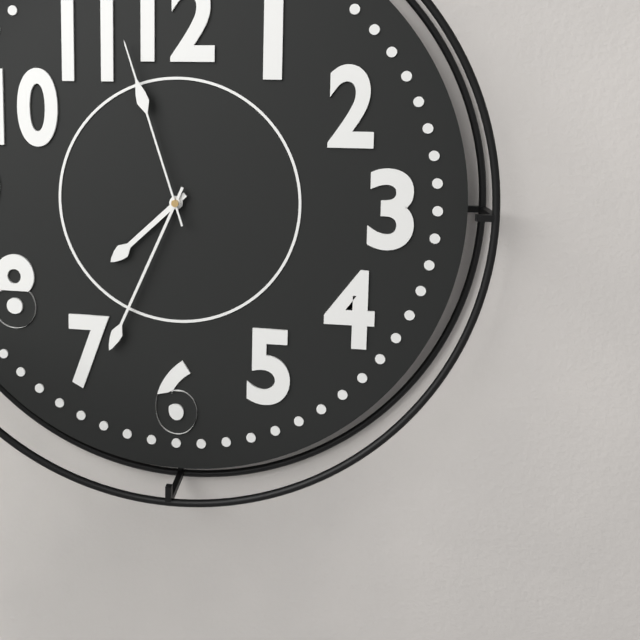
7:34:57
